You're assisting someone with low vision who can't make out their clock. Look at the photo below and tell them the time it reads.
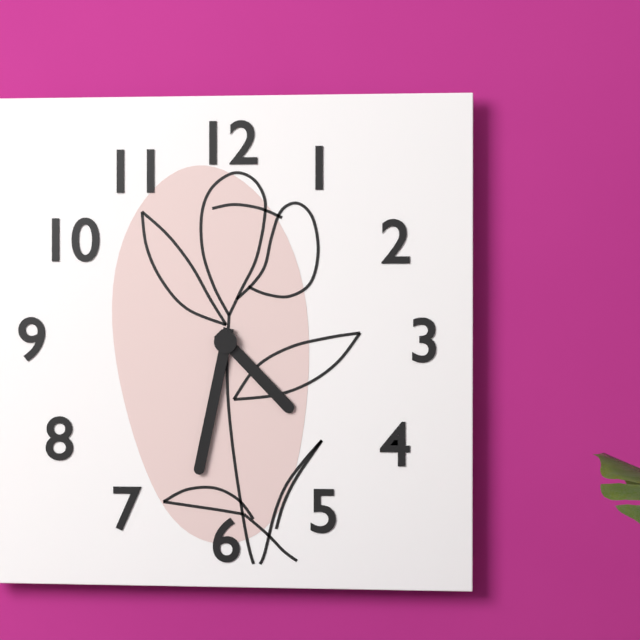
4:32
